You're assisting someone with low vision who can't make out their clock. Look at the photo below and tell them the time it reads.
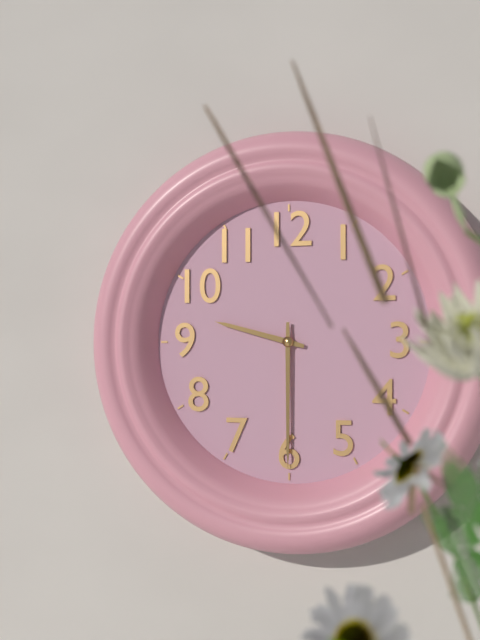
9:30
